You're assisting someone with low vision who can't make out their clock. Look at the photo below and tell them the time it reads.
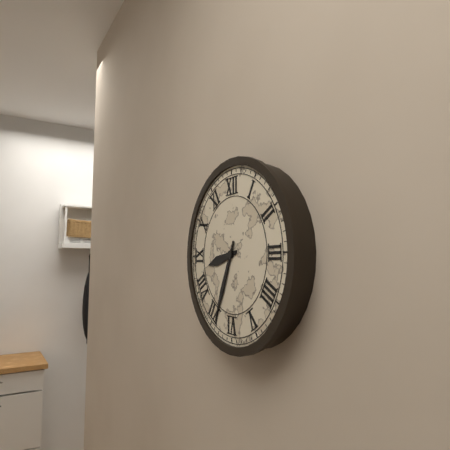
8:34
